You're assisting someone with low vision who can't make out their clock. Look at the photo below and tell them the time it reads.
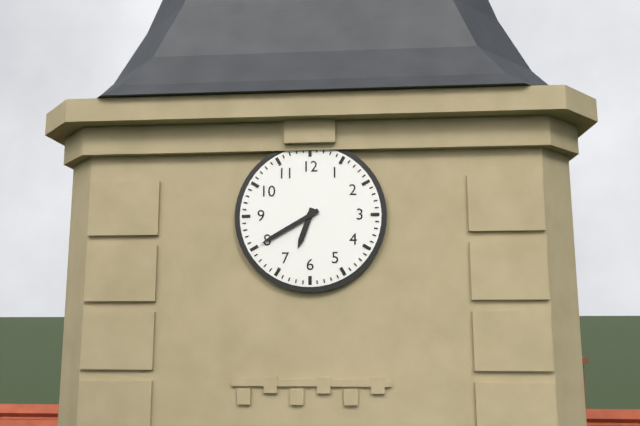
6:40
